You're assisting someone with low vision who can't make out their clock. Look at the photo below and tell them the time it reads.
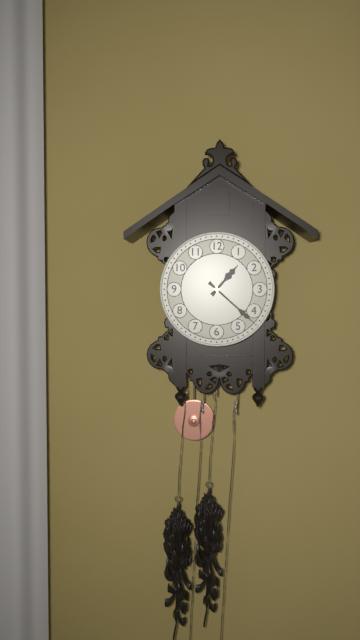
1:22
